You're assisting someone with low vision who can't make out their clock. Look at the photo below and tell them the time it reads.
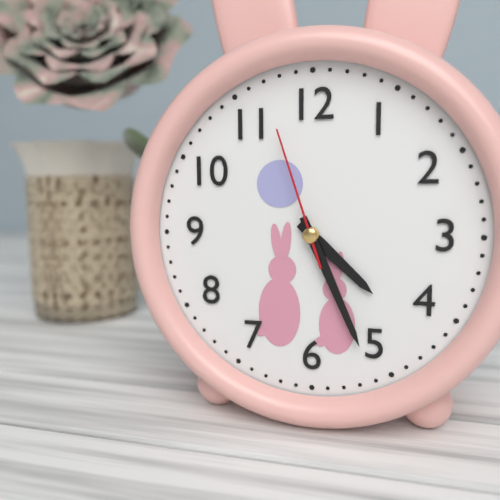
4:26:57
